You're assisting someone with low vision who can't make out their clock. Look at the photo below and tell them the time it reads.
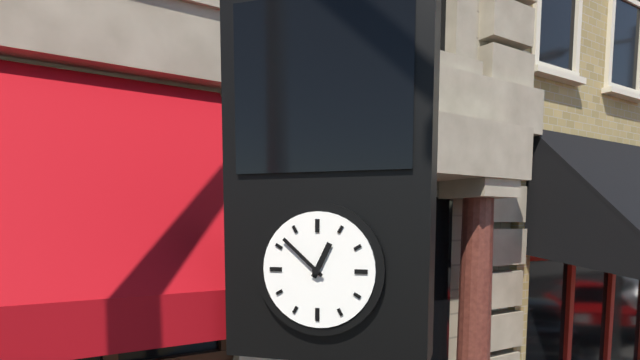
12:52
